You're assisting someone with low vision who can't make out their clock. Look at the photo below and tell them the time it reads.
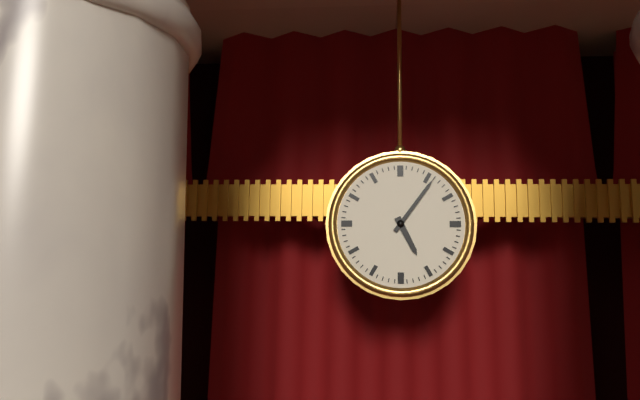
5:06
